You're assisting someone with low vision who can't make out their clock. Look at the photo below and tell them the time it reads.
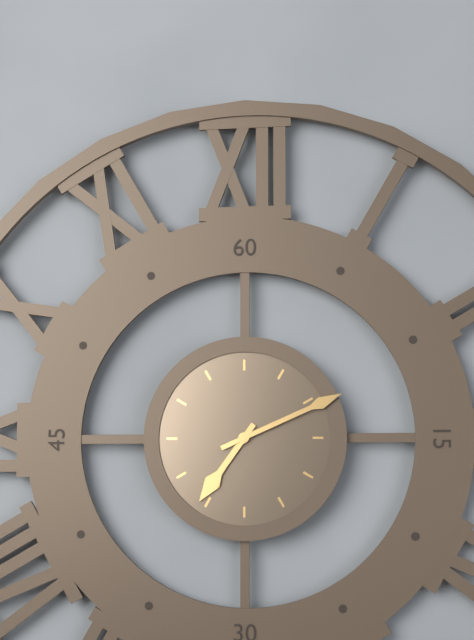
7:11
